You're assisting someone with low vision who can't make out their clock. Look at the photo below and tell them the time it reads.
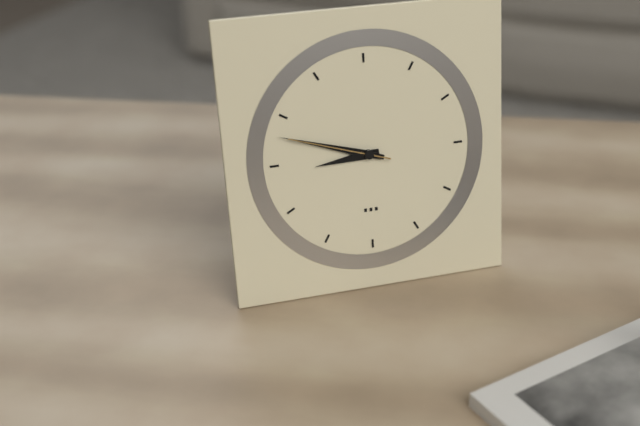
8:48:48
